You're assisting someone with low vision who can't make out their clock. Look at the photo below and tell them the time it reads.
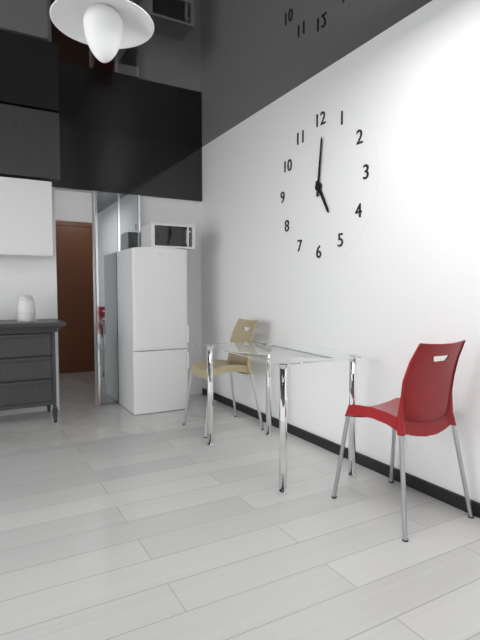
5:01
